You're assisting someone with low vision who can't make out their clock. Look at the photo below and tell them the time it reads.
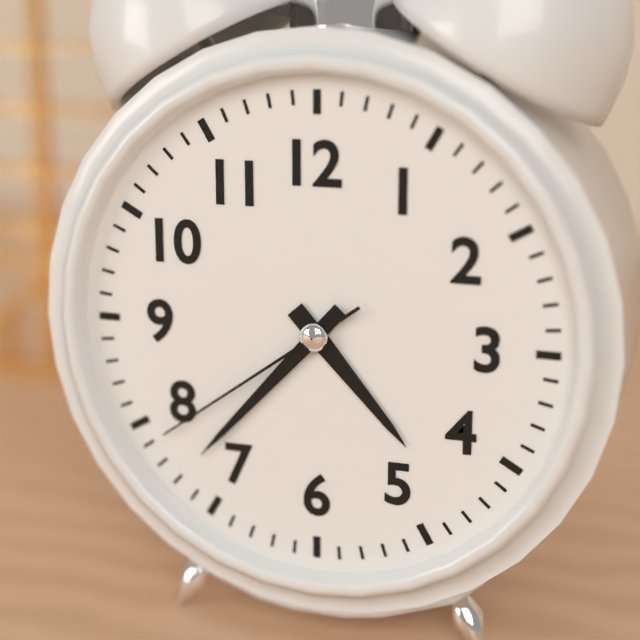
4:37:39
